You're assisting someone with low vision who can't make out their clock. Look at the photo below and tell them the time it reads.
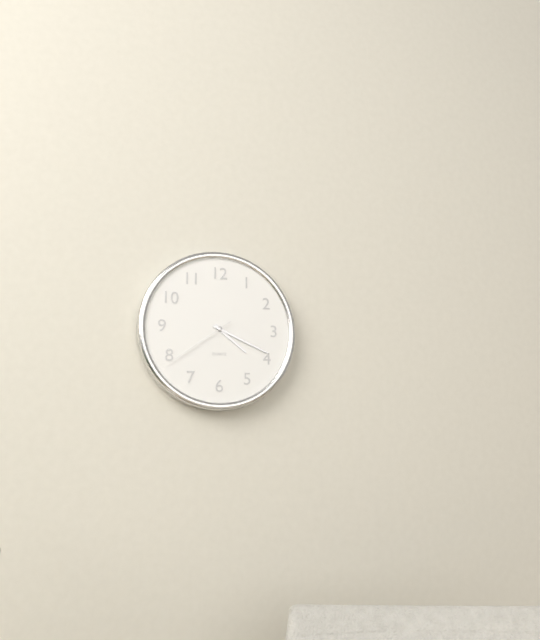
4:19:39
